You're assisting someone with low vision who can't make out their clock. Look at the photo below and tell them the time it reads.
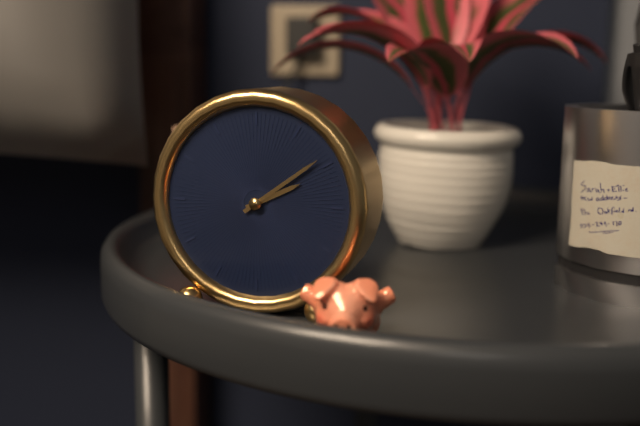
2:09
